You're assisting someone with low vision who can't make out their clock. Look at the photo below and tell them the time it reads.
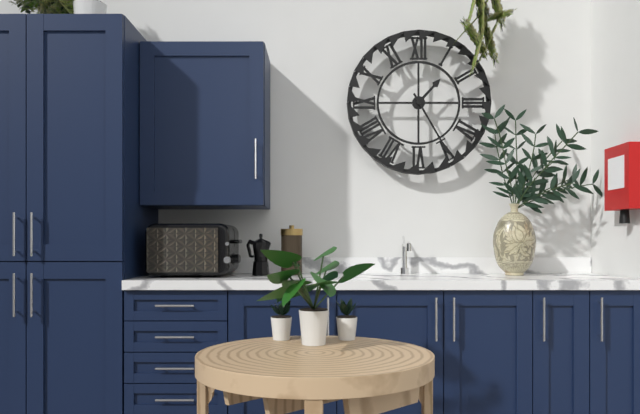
1:25
